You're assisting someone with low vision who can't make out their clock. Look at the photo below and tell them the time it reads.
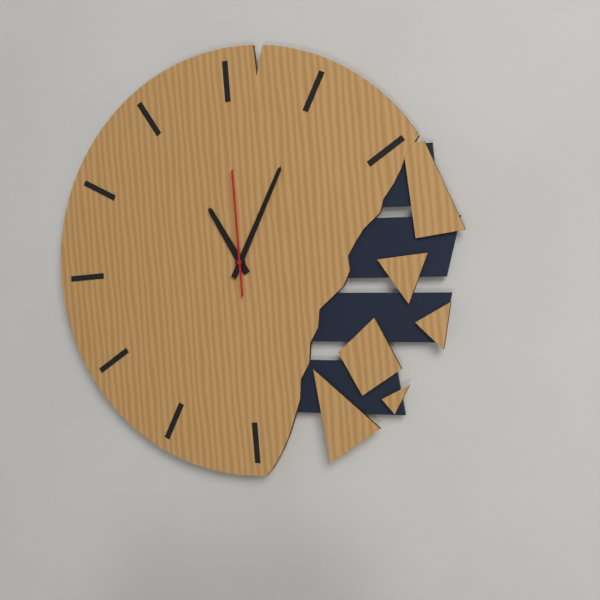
11:05:00
